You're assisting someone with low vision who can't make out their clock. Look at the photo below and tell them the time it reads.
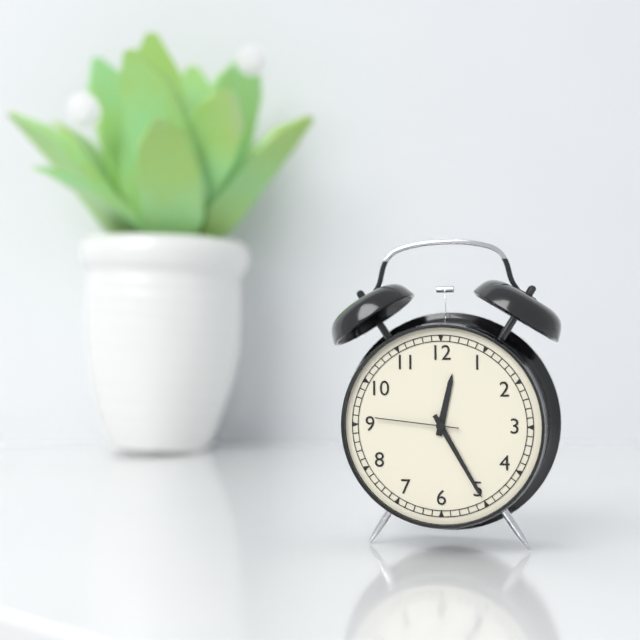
12:25:46
